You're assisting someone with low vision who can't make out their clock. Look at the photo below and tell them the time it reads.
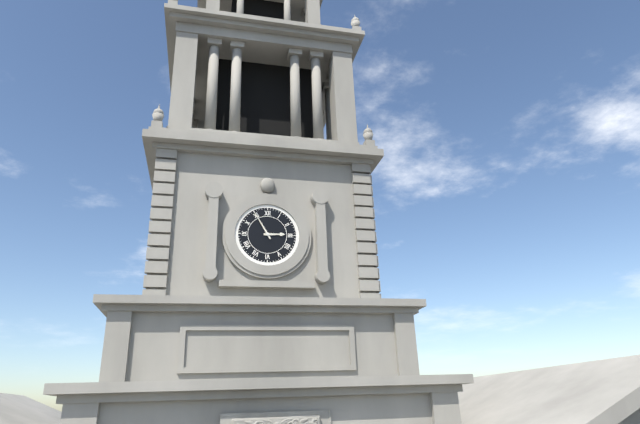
2:55
